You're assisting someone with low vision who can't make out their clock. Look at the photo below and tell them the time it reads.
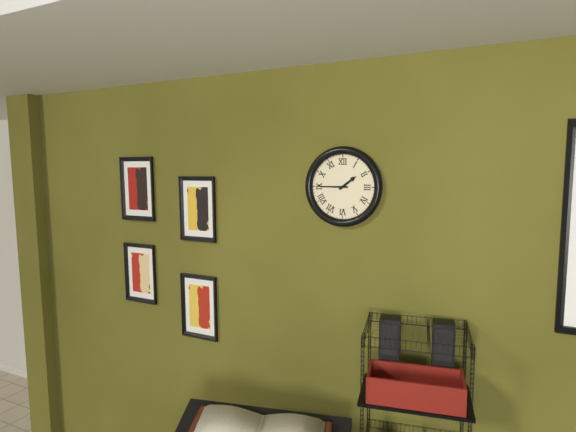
1:45
